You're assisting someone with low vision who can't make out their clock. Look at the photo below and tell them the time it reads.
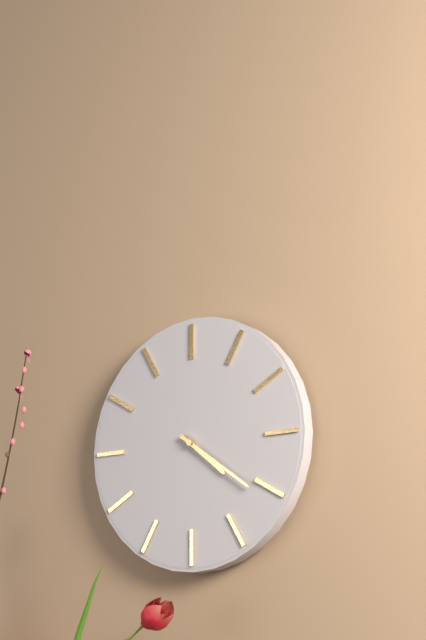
4:21
